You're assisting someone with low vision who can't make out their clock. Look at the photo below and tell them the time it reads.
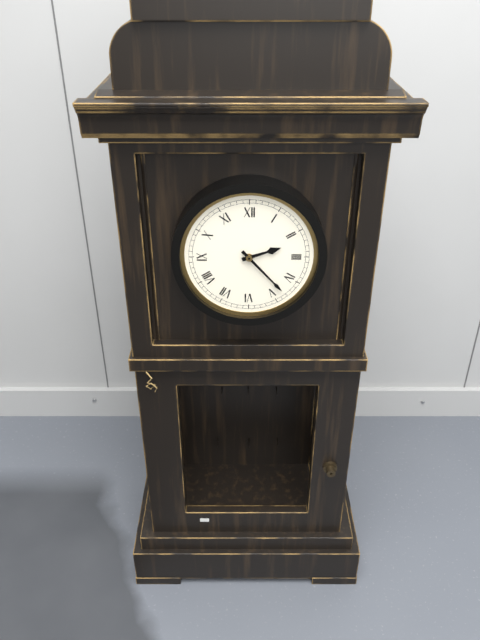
2:23
